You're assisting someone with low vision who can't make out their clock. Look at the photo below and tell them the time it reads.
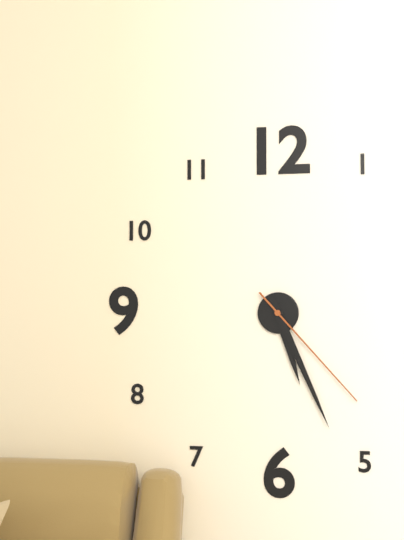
5:26:23
